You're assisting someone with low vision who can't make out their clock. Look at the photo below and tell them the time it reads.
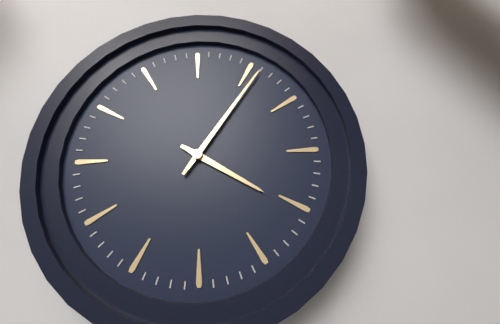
4:06
